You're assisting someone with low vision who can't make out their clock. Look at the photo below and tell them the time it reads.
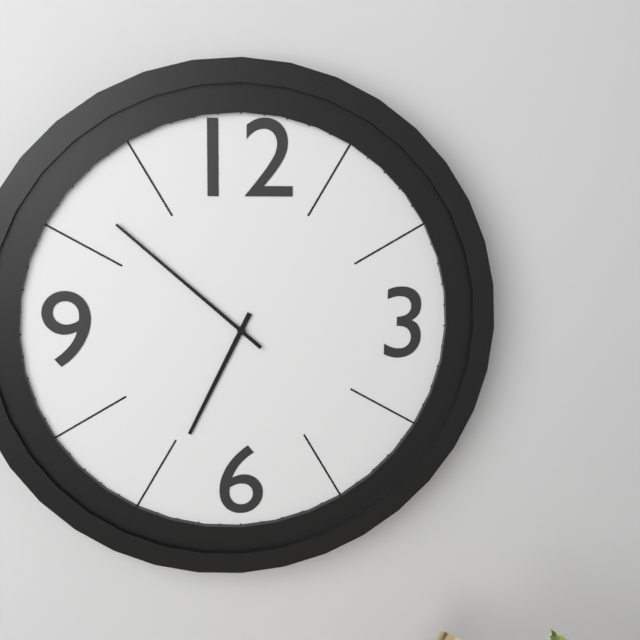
6:52
